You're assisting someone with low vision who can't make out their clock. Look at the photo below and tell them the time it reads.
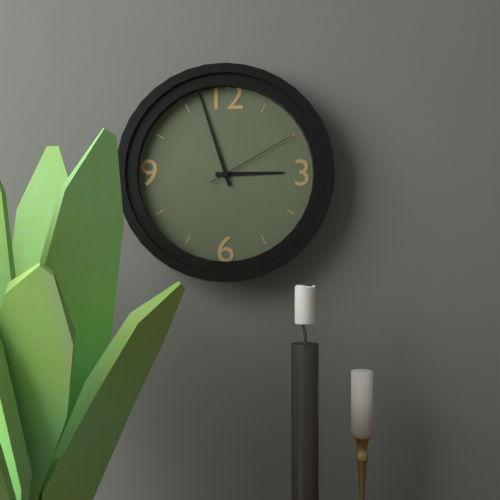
2:57:10
